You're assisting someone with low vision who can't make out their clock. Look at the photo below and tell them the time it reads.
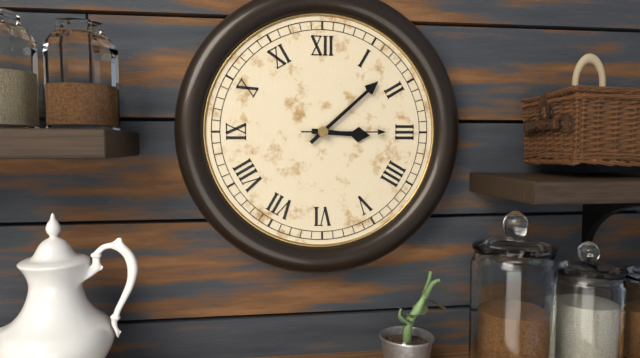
3:08:15
